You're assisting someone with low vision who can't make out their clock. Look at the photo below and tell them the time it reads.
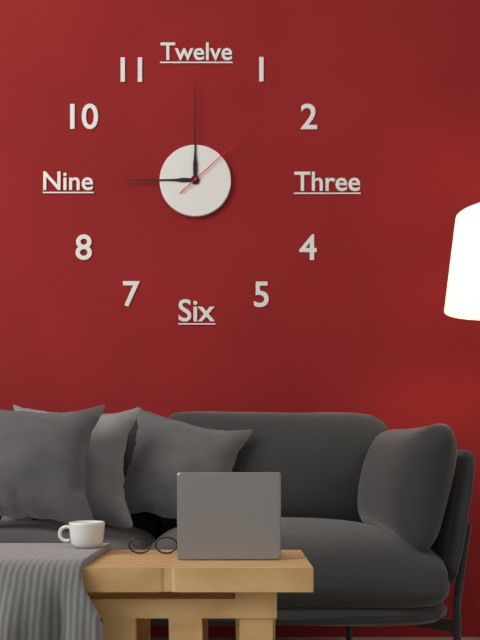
9:00:08
